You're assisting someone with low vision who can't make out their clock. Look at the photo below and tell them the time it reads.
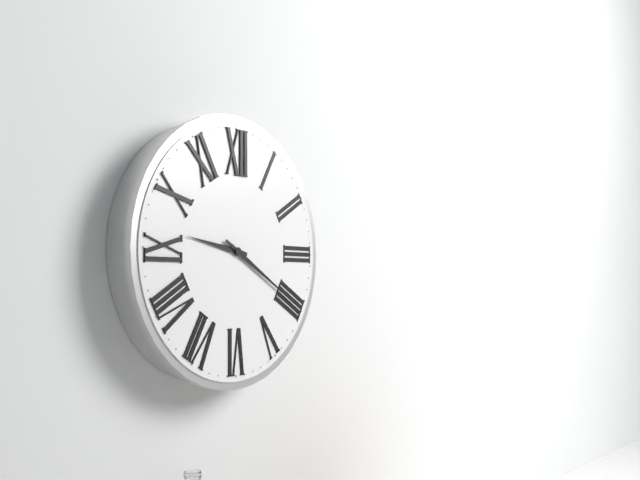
9:20
